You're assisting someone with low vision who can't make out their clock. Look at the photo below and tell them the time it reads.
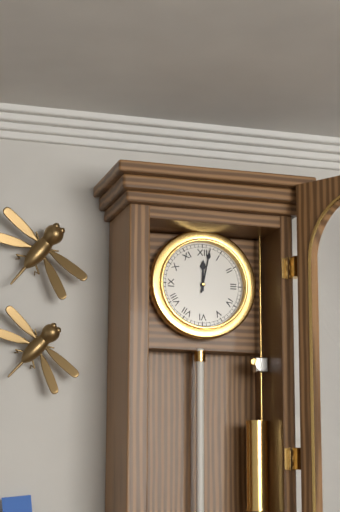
12:02
